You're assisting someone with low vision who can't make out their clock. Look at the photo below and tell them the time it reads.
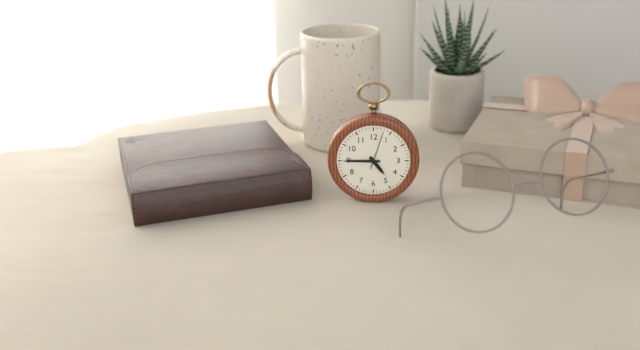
4:45
